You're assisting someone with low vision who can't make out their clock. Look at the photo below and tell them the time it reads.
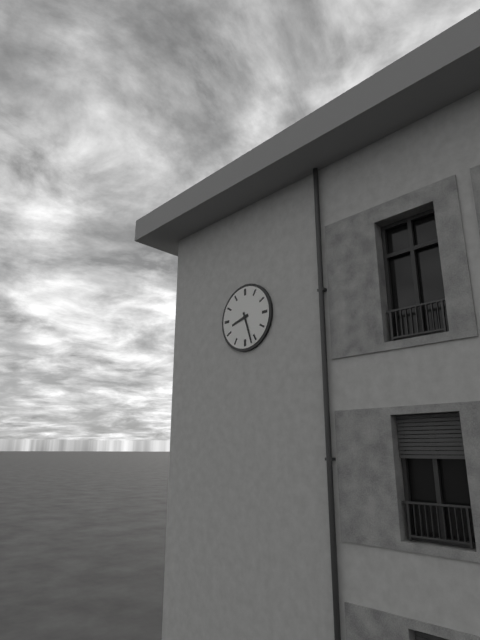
8:27
